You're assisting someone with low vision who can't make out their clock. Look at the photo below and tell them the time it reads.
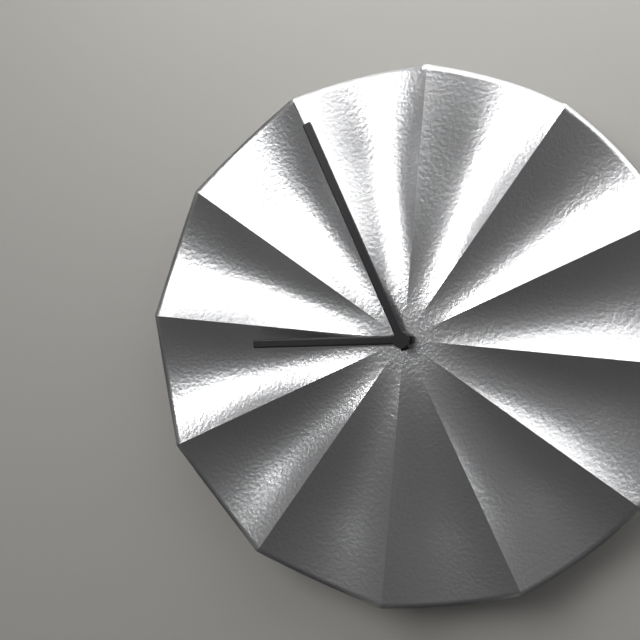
8:56
